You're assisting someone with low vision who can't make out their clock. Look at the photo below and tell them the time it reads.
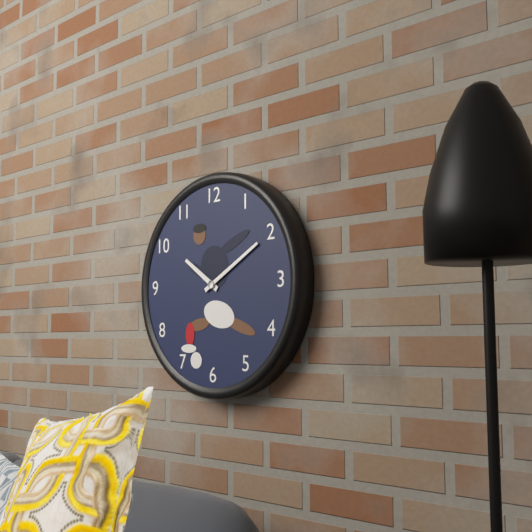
10:10
